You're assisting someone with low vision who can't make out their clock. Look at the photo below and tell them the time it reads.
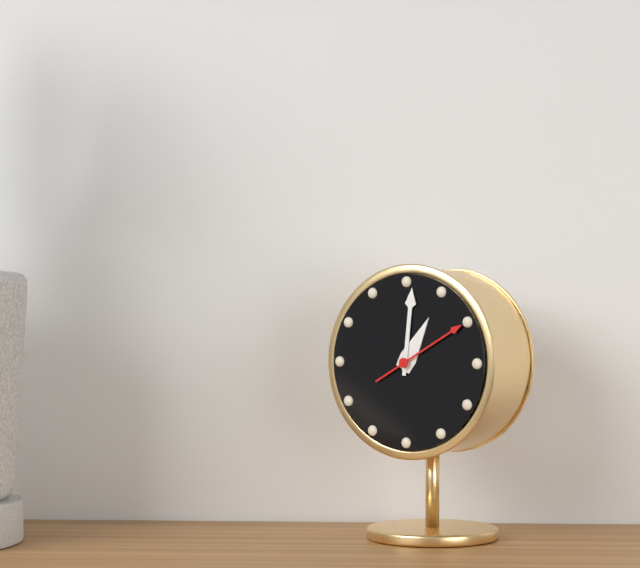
1:01:10
